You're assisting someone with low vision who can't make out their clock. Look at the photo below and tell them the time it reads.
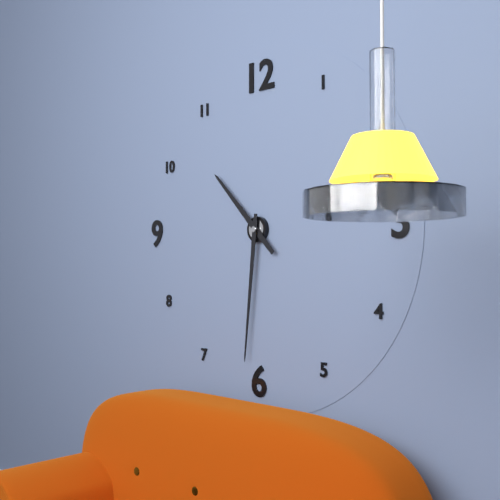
10:31
